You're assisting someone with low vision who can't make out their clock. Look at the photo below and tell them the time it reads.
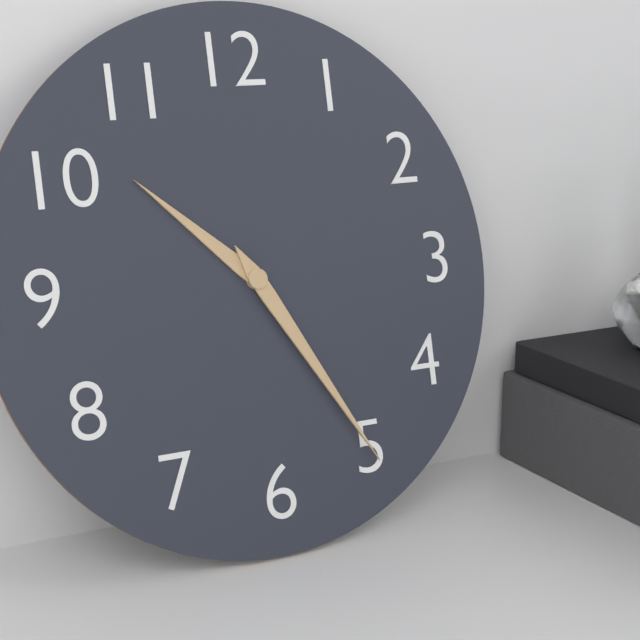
10:25
